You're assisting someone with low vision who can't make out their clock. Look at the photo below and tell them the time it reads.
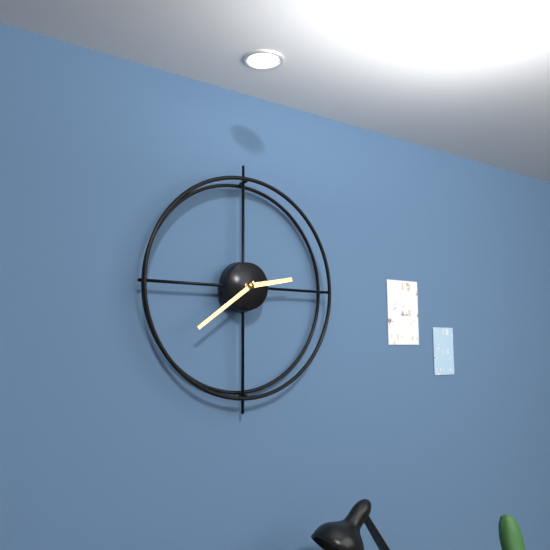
2:39
